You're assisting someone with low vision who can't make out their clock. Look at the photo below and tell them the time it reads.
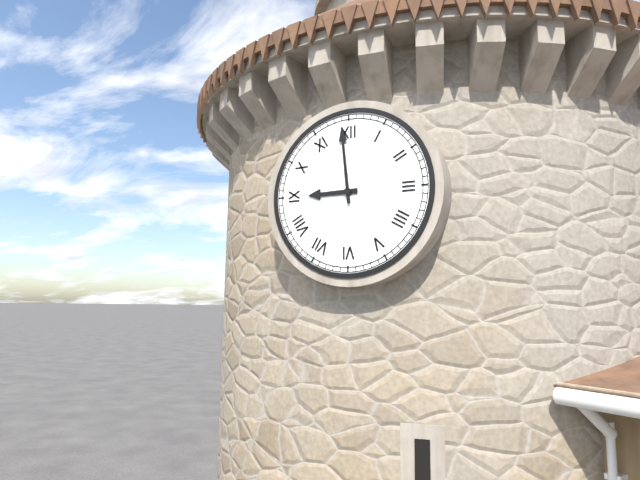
8:59
